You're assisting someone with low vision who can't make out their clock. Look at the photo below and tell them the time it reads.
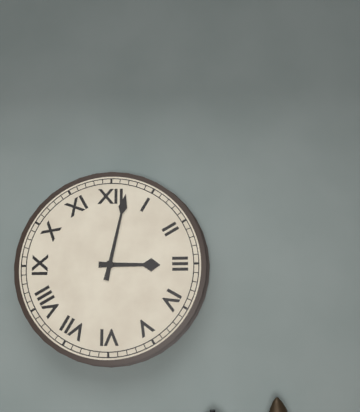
3:02
